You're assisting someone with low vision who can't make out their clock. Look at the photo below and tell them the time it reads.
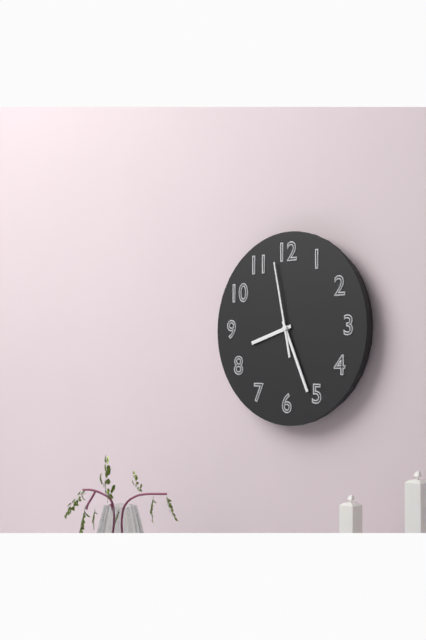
8:26:58
